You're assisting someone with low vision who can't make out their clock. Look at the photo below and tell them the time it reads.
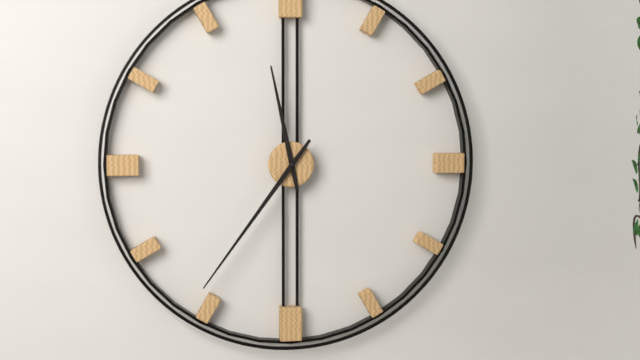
11:36
